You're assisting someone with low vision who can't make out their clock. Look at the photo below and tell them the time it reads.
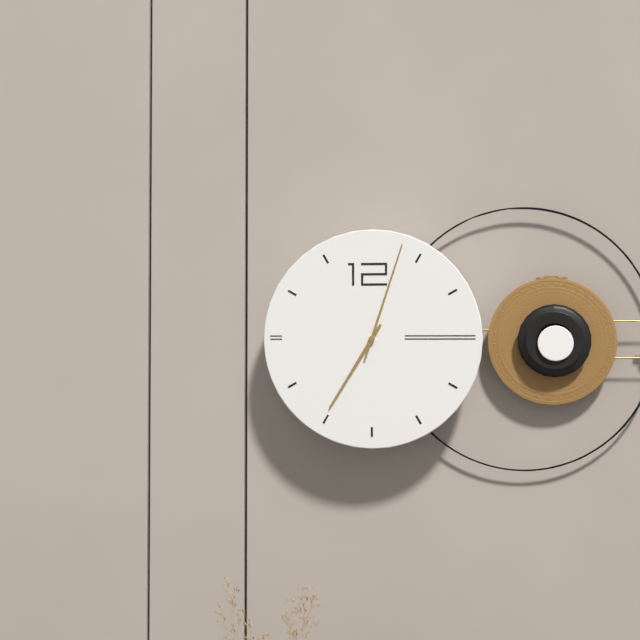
7:03
